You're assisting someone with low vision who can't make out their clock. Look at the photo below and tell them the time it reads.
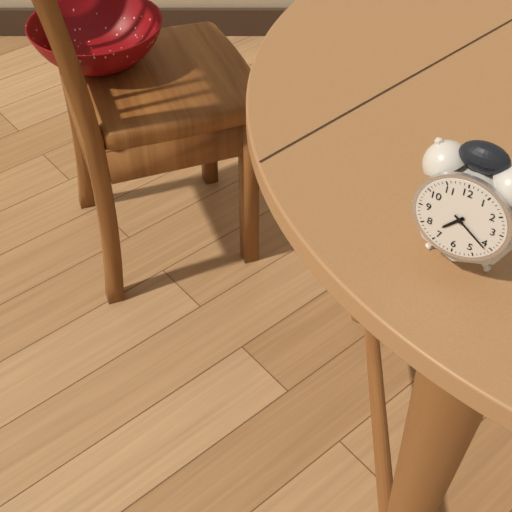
7:21
